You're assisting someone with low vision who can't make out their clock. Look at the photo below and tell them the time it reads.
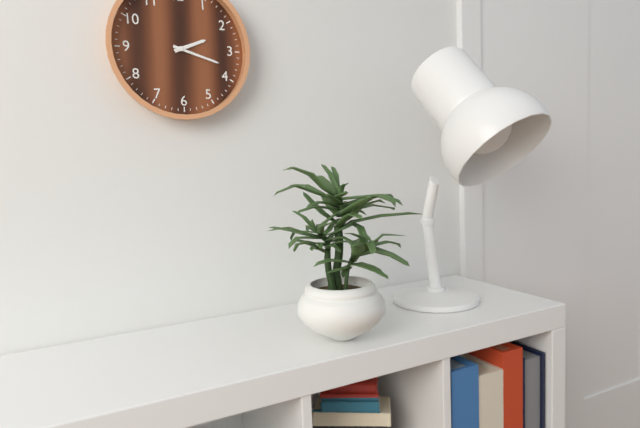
2:18
